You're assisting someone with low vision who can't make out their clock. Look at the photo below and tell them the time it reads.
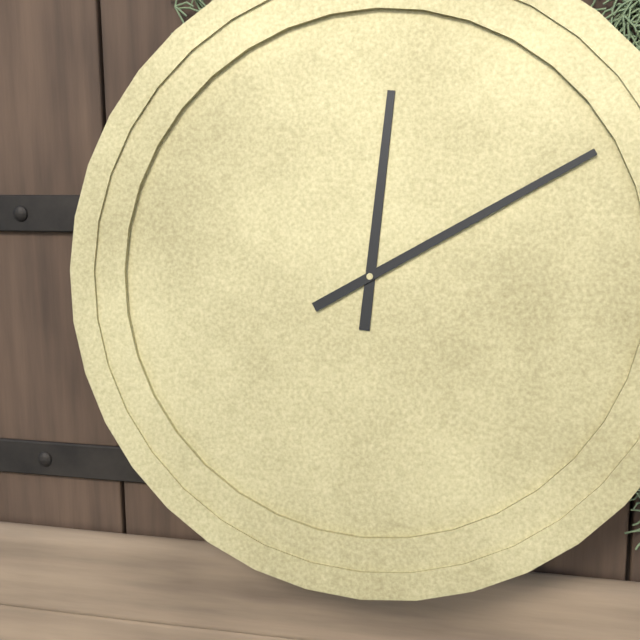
12:10
